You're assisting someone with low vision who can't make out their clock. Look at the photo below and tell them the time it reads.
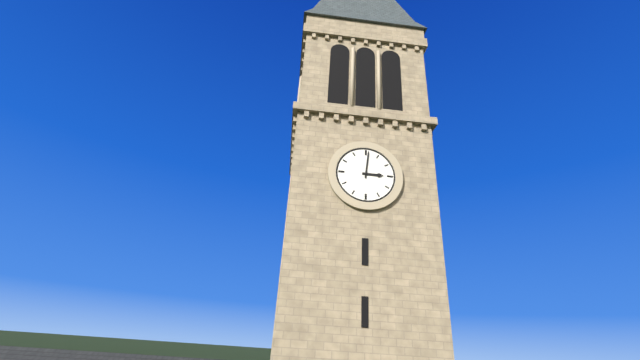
3:01
